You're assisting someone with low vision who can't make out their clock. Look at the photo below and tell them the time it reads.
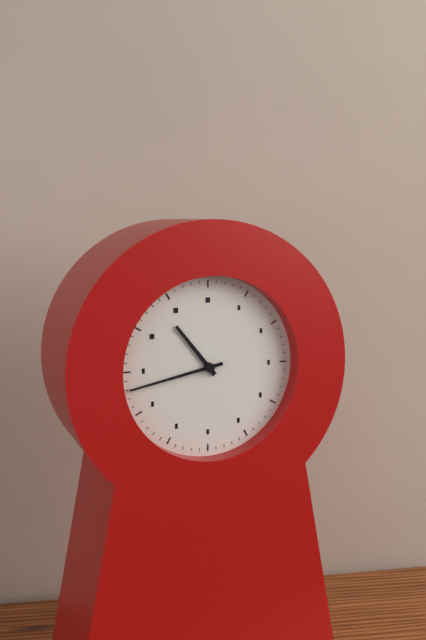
10:43
